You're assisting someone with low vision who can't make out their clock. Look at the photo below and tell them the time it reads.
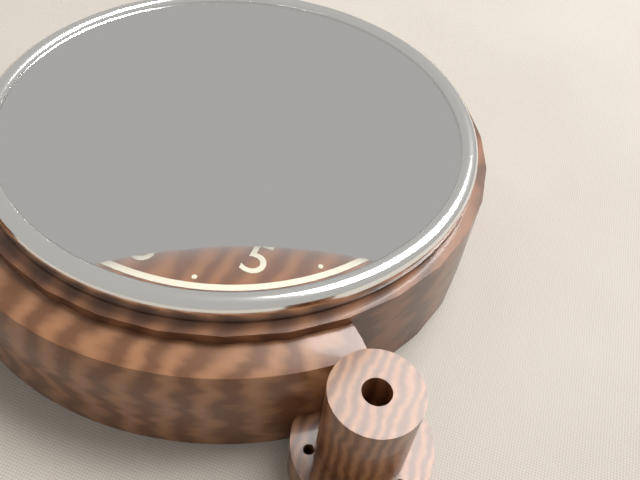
5:11
